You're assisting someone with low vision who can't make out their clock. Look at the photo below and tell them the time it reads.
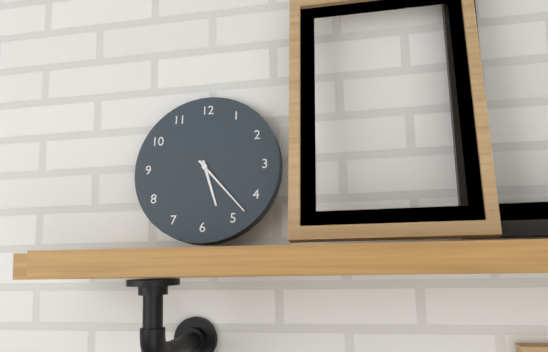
5:23
